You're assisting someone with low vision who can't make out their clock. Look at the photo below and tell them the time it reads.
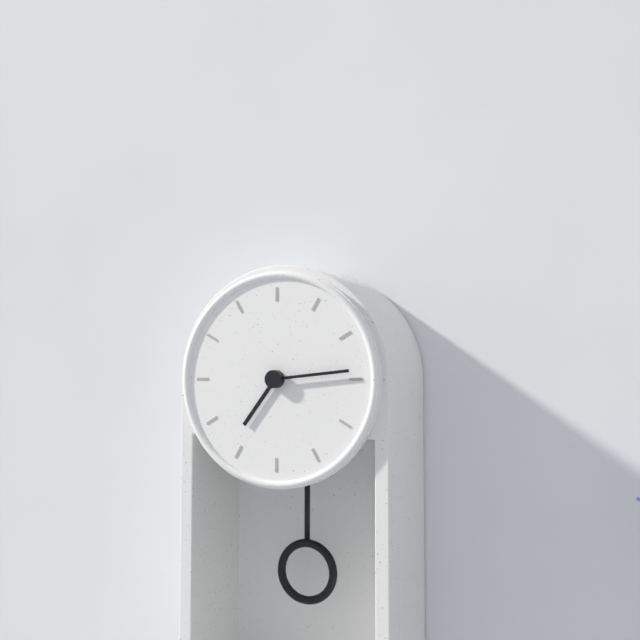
7:14
